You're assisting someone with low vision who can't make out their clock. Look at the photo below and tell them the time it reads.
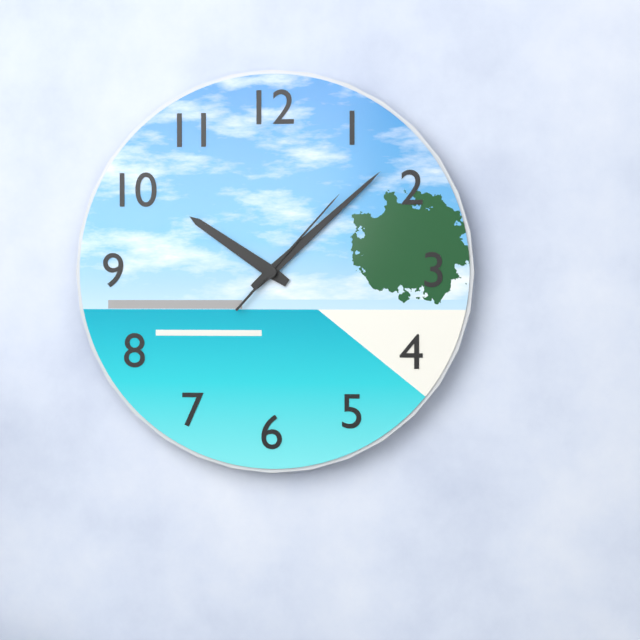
10:08:07
